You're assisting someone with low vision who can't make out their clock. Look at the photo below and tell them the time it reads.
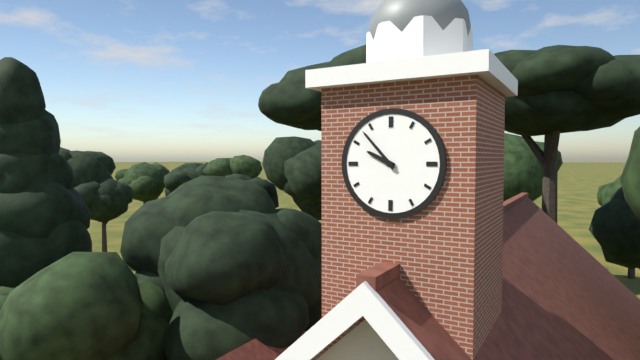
9:53
